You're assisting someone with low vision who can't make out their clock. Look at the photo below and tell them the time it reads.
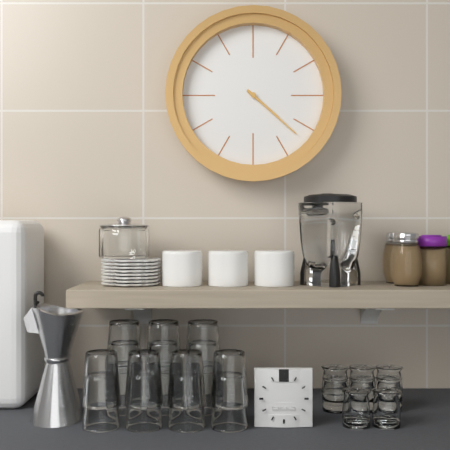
4:22
